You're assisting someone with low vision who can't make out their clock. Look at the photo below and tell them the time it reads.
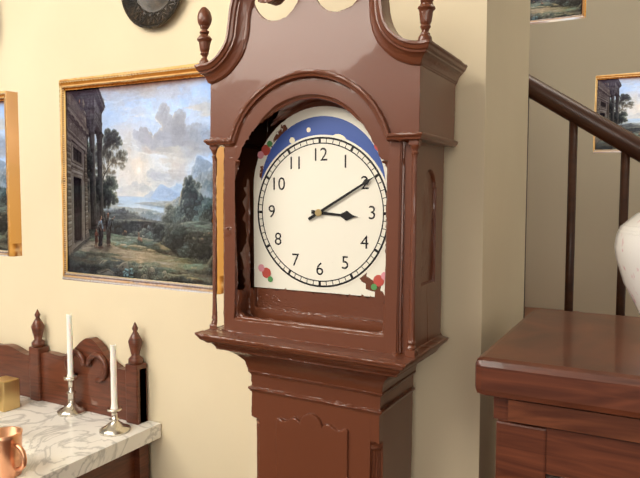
3:10
